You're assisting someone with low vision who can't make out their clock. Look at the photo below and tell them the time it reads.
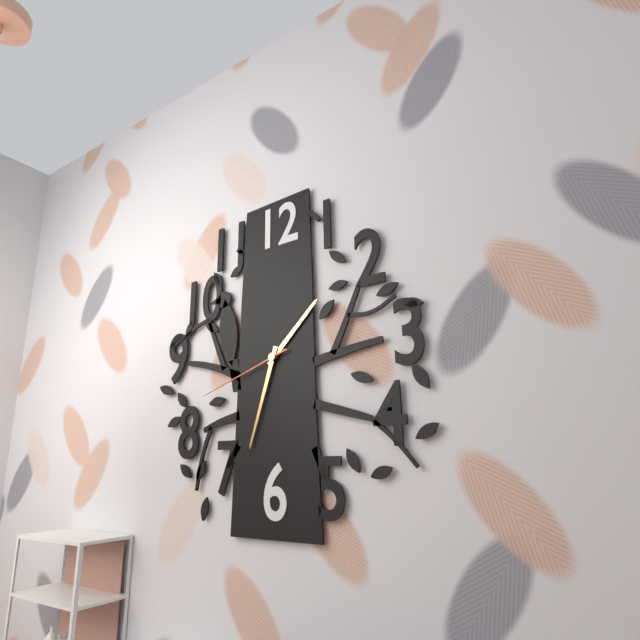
1:33:42
